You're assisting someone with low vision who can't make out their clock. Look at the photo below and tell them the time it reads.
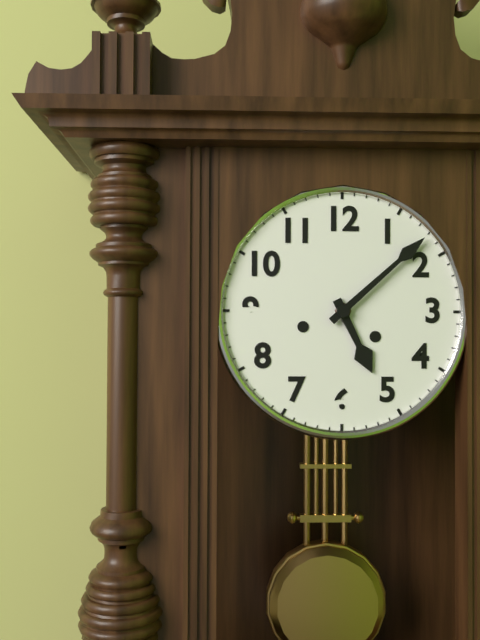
5:08
